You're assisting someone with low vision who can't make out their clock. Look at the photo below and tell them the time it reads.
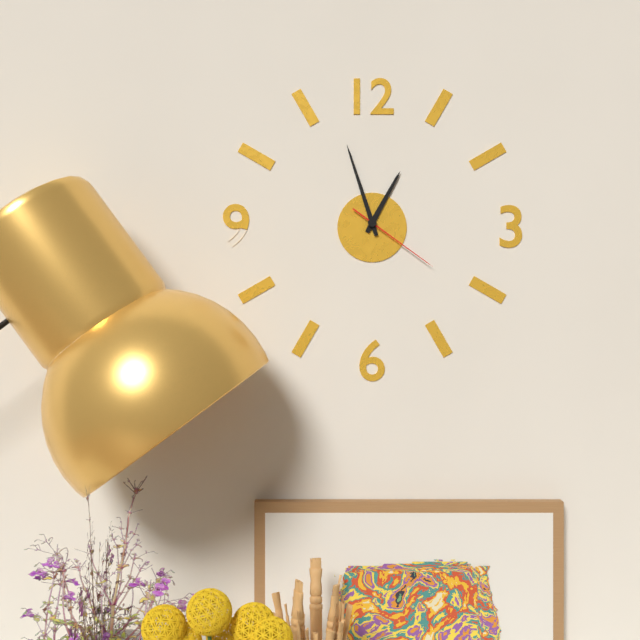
12:57:21
